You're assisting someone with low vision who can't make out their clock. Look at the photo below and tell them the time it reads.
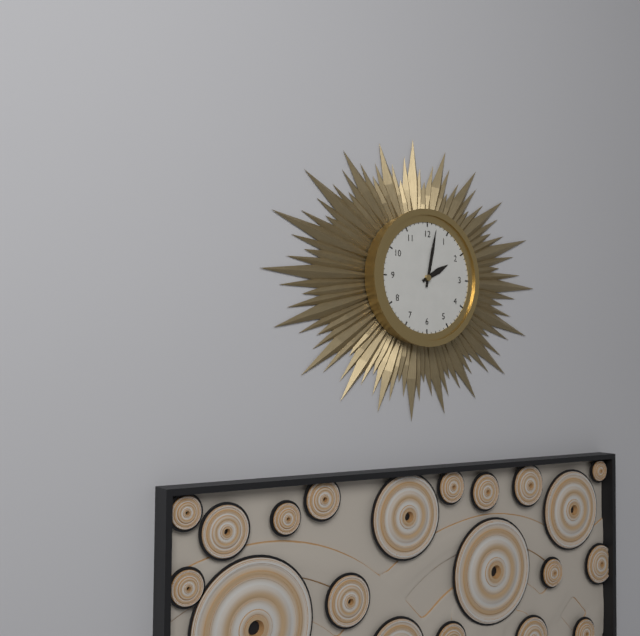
2:02
